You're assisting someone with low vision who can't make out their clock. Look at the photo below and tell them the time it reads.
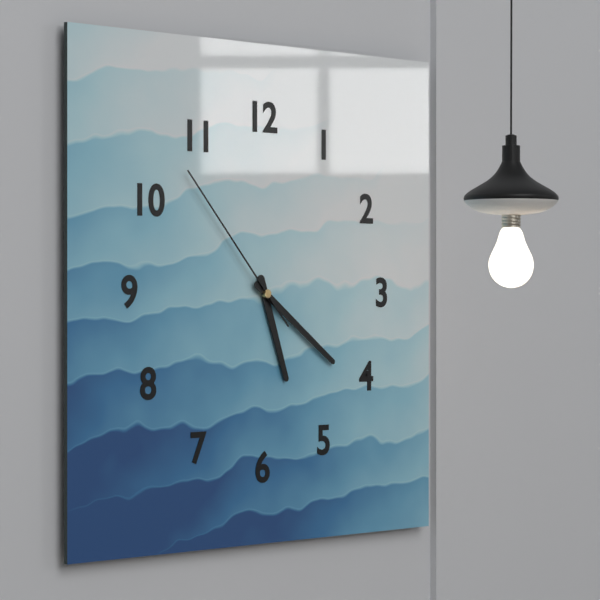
5:21:53
